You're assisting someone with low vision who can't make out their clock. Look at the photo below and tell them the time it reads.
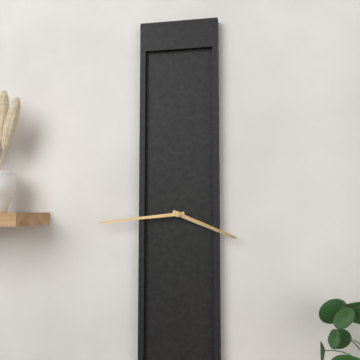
3:44
